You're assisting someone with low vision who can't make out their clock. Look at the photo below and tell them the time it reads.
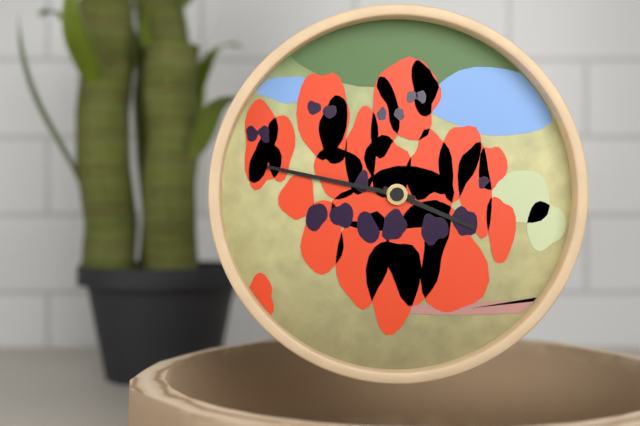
3:47
